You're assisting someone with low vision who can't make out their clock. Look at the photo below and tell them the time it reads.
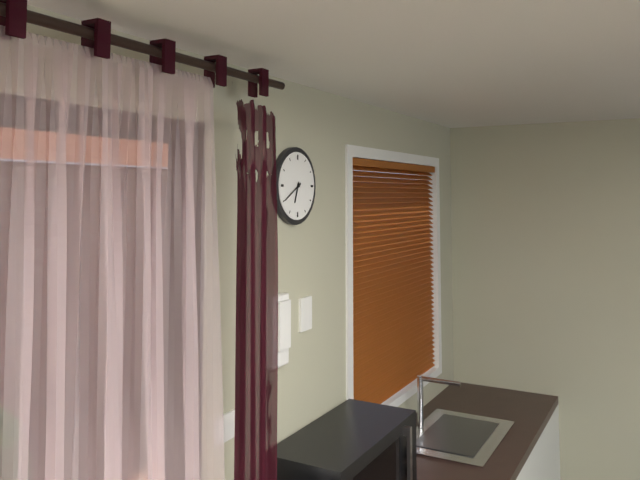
6:40
